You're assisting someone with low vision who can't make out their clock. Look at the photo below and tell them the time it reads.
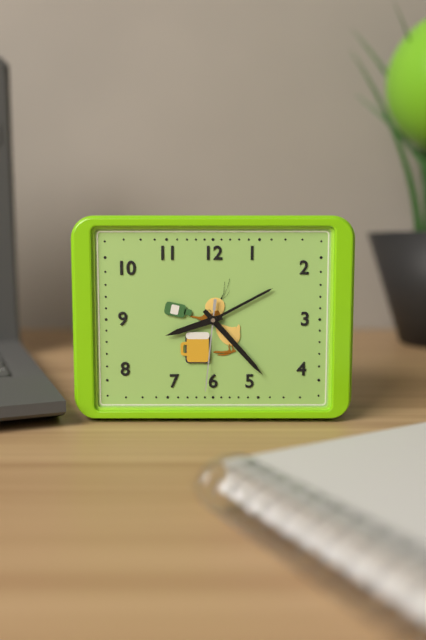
8:23:31
